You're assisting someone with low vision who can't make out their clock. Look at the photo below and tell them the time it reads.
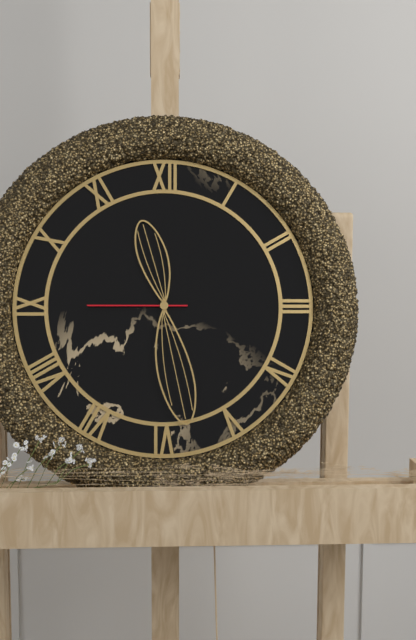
11:28:45
